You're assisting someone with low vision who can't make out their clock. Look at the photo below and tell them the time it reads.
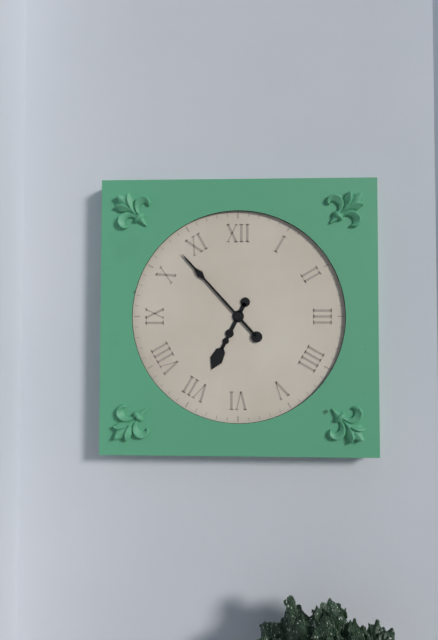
6:53
